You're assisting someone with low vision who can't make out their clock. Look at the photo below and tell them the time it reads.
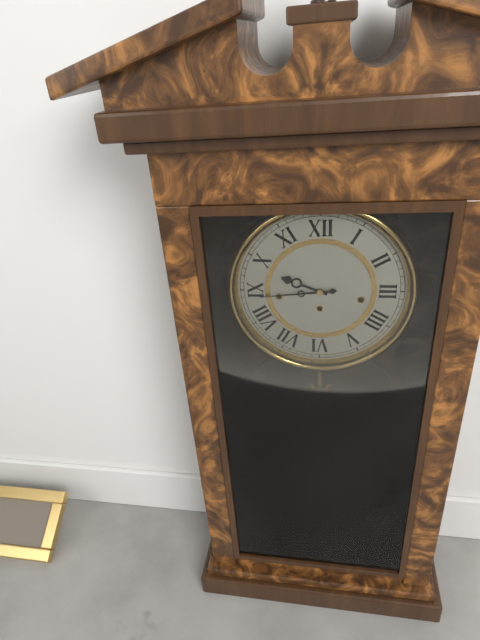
9:44
